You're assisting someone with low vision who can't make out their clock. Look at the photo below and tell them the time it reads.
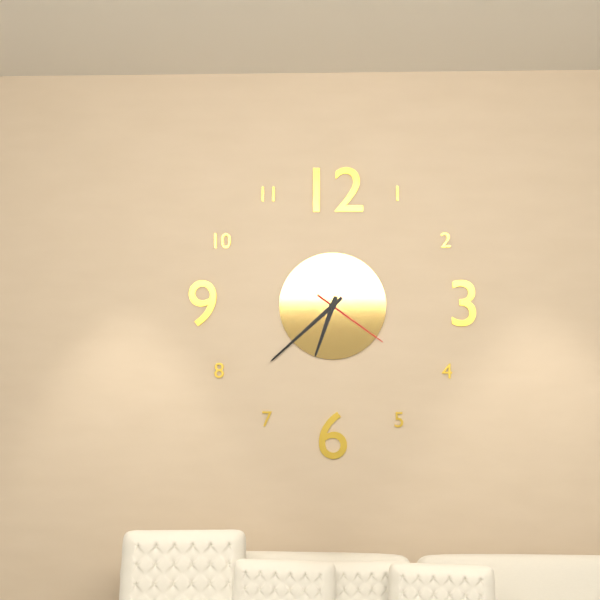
6:38:21
